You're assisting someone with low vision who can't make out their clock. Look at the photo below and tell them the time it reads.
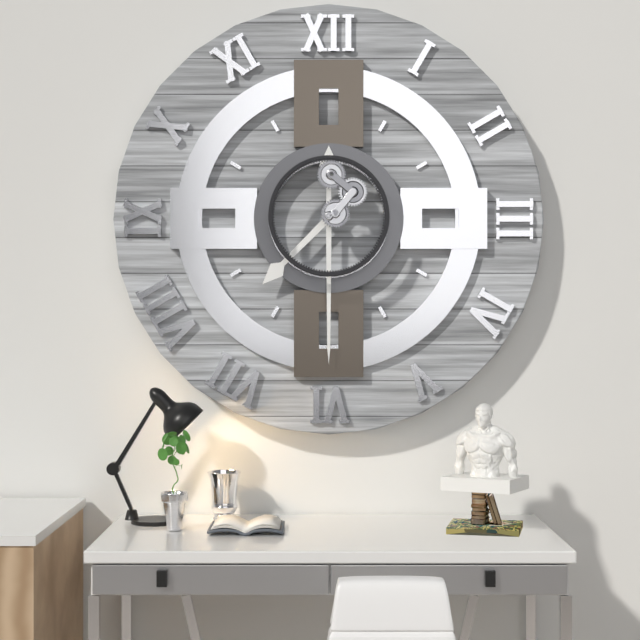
7:30
